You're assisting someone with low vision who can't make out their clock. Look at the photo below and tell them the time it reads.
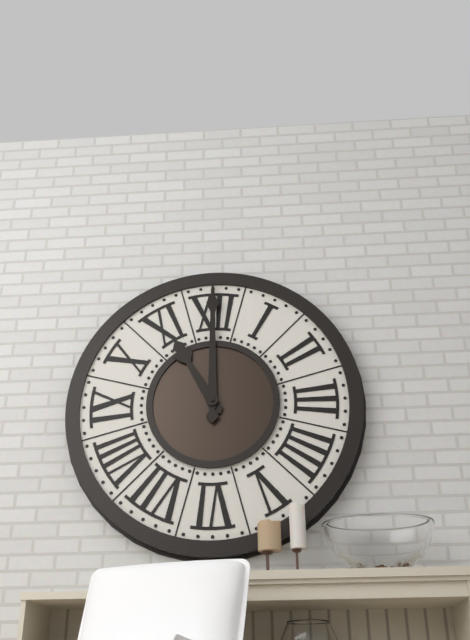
11:00
